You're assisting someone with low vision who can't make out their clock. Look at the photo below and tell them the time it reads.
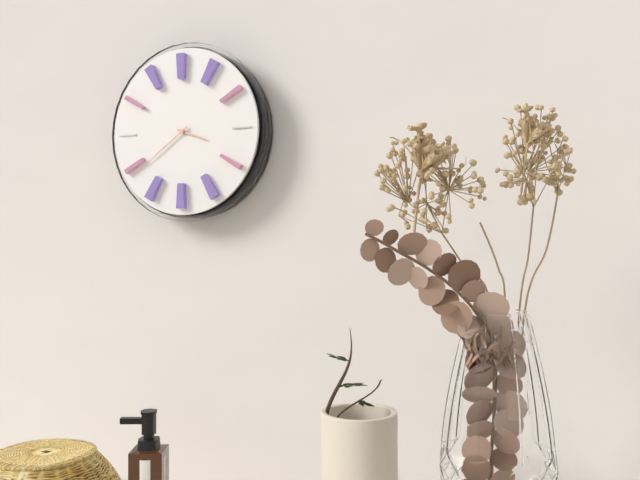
3:39
